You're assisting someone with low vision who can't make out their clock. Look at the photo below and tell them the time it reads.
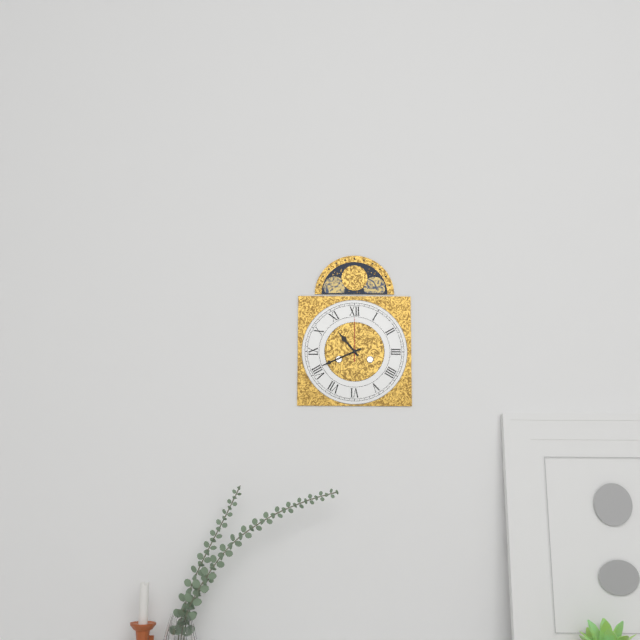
10:41
